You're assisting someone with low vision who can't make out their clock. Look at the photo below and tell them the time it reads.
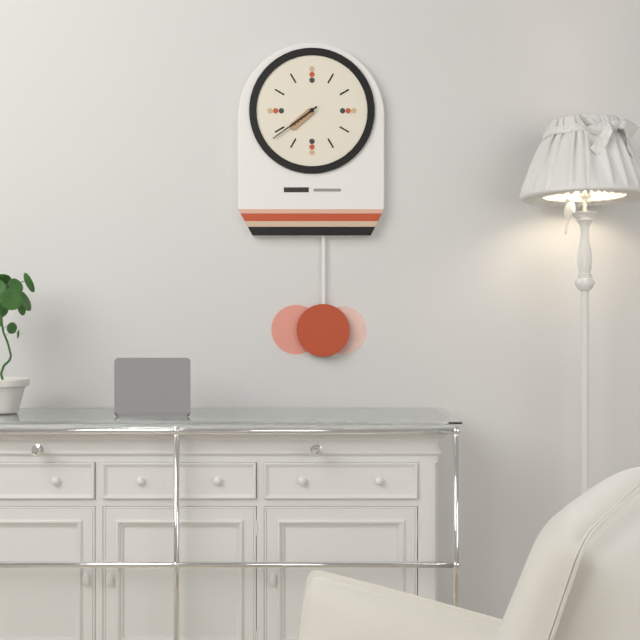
7:39
